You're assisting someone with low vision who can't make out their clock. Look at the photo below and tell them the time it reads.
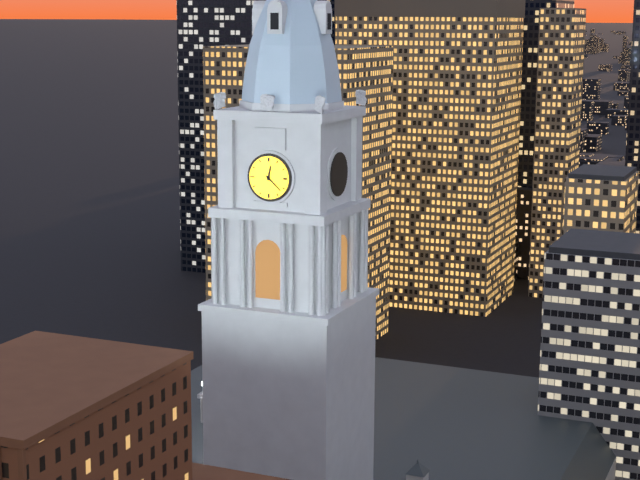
12:22
